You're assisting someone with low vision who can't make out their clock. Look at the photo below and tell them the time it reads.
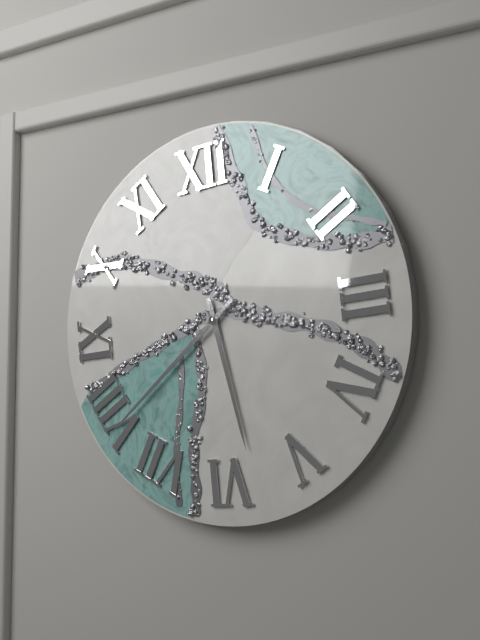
5:39
